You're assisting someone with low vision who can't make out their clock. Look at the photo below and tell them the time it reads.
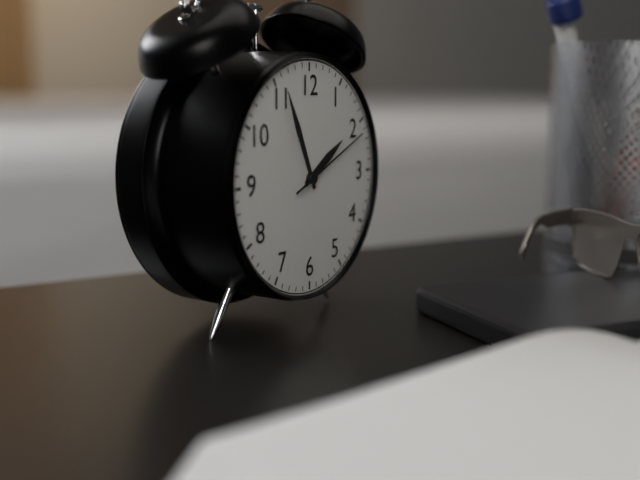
1:56:11
